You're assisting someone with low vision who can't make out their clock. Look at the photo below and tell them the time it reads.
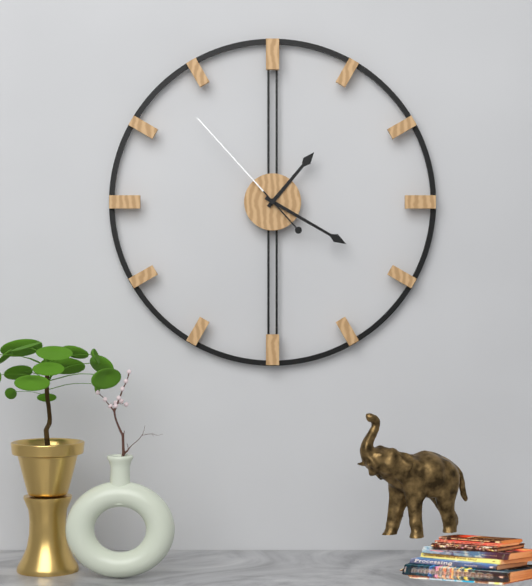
1:20:53
